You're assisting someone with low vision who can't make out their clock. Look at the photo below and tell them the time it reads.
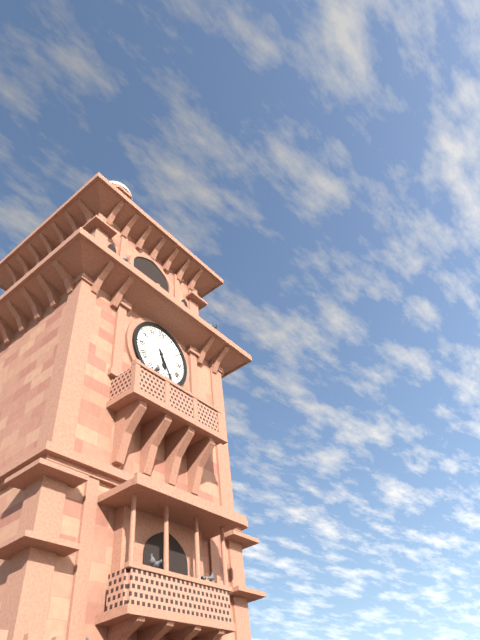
5:25
